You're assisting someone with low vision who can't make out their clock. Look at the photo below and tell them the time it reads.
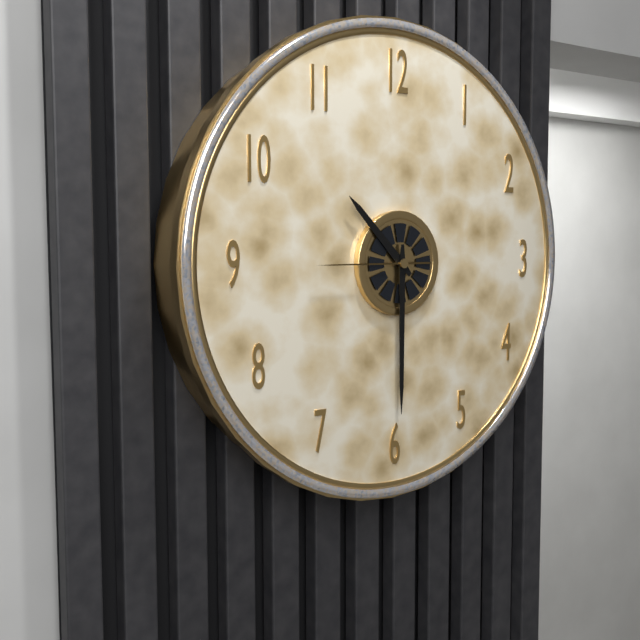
10:30:45
